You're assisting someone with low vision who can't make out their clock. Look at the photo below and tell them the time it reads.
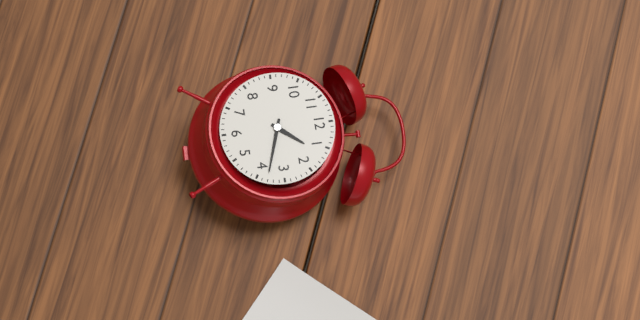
1:18
